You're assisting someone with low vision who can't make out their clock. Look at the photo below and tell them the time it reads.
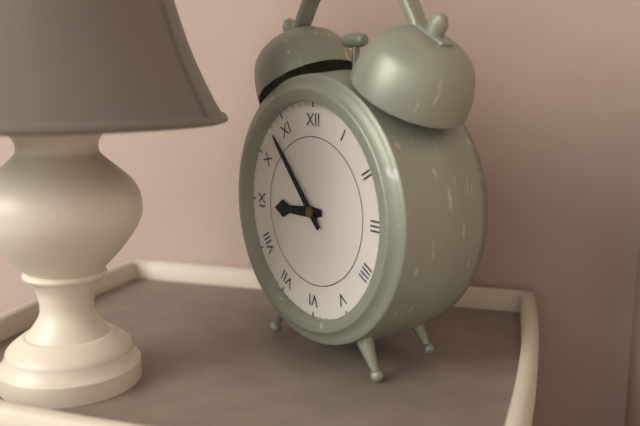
8:53
